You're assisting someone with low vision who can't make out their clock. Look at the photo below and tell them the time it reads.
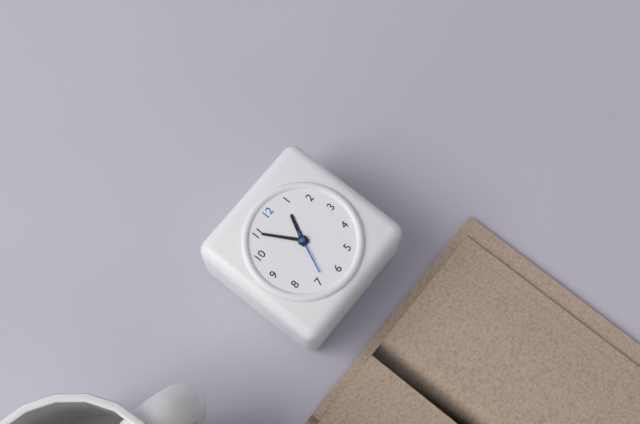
12:55
